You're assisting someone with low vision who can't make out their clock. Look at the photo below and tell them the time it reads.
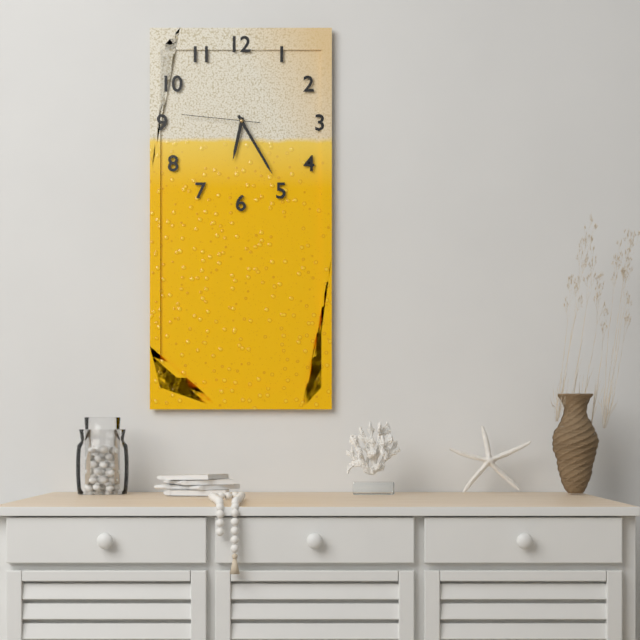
6:25:46
